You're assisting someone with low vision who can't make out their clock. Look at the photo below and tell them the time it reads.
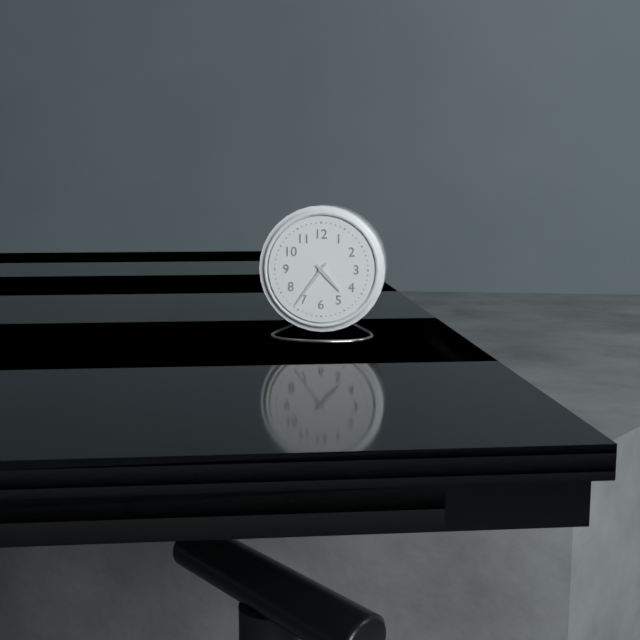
4:36
